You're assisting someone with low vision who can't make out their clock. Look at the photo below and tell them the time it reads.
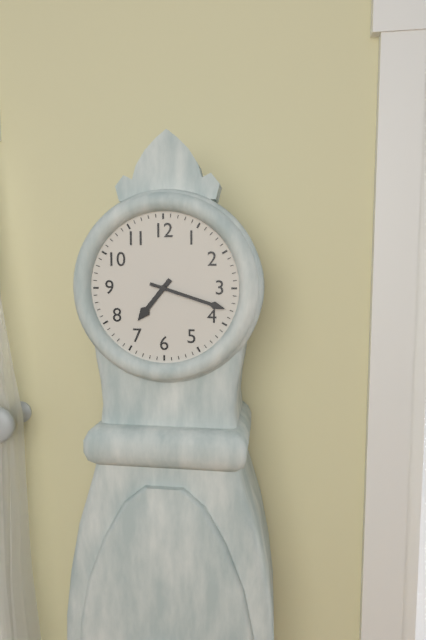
7:18
